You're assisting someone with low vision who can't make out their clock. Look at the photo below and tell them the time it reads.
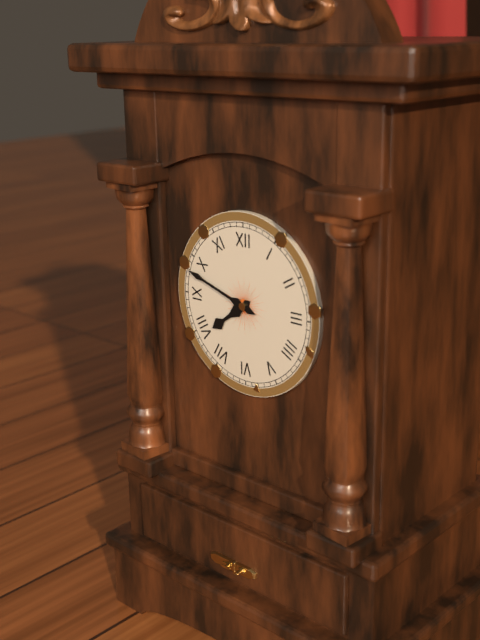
7:48
